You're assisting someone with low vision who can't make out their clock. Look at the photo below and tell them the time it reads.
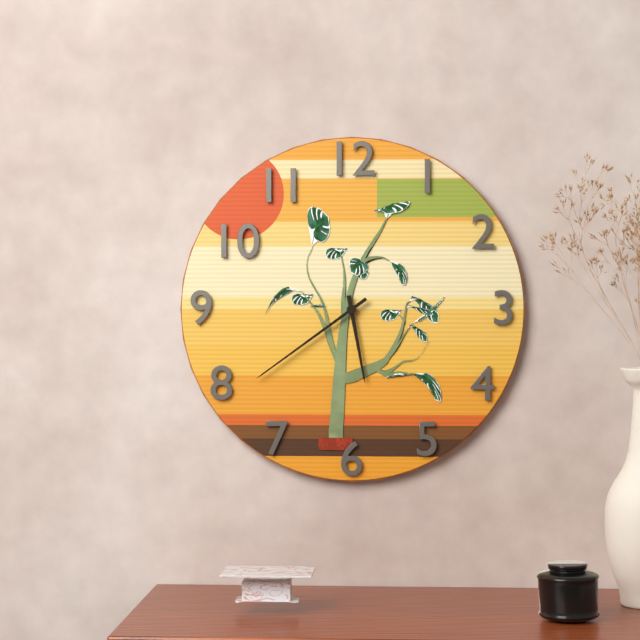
5:39
